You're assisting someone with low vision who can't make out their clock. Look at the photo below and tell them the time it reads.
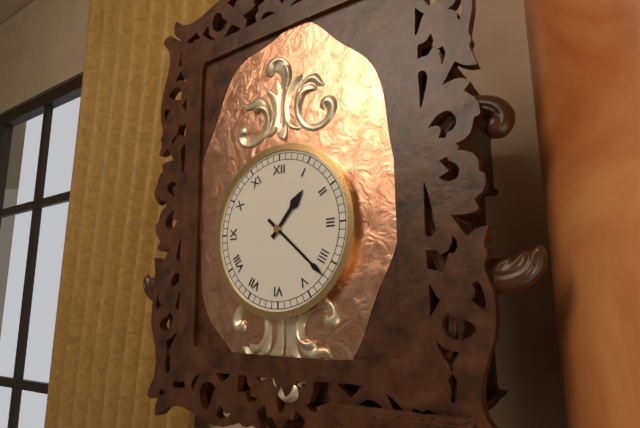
1:22
